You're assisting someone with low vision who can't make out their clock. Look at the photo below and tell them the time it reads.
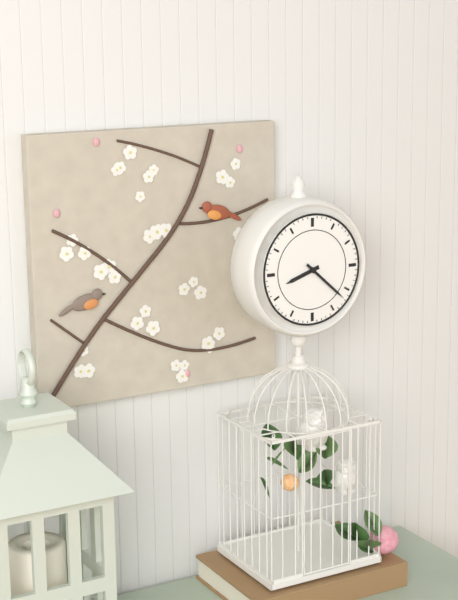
8:22
